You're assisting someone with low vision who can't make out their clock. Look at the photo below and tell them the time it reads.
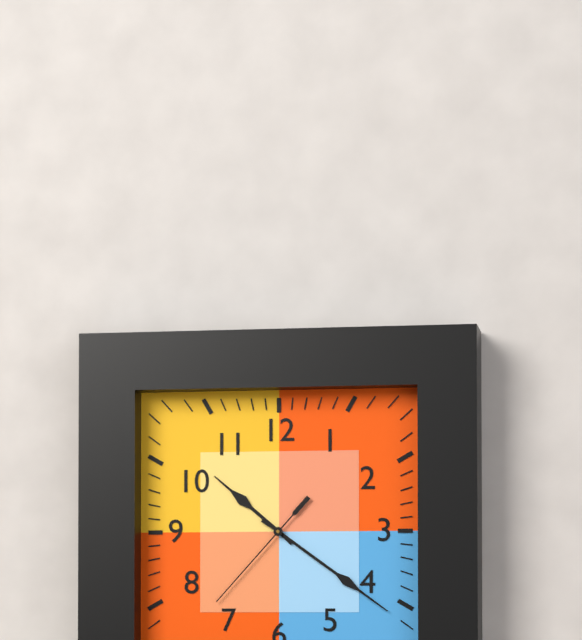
10:21:37
